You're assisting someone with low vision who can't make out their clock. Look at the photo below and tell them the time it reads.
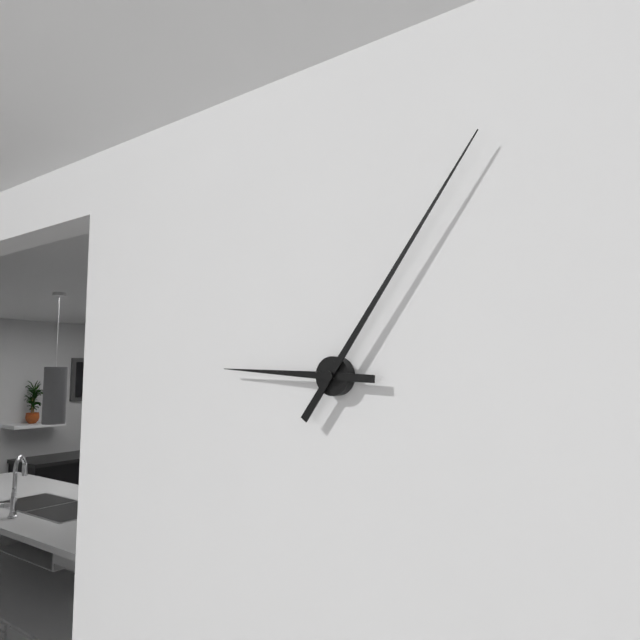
9:06
